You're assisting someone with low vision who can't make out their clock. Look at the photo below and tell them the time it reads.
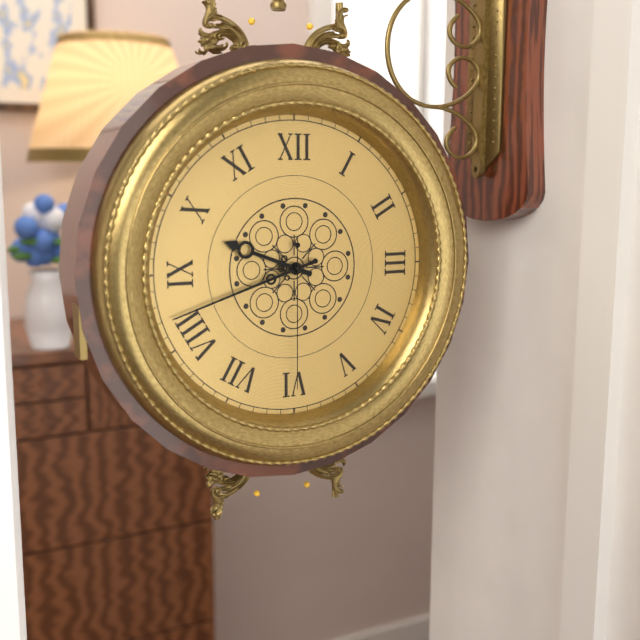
9:42:30
